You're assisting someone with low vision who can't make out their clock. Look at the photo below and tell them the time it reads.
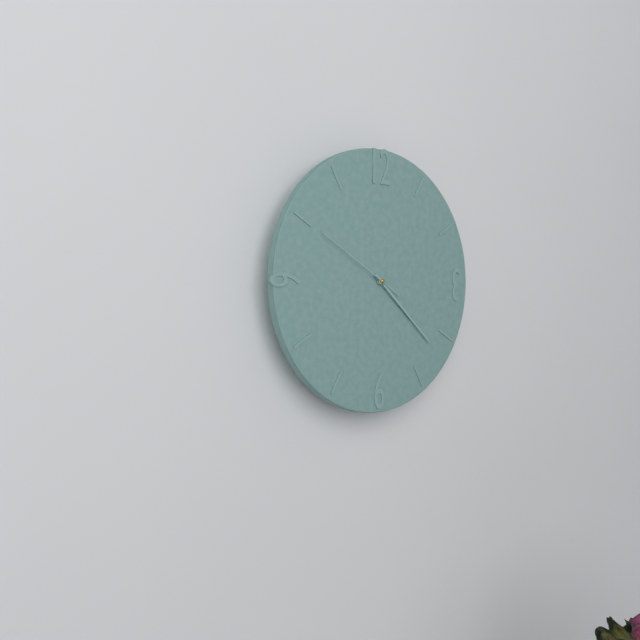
4:22:50
